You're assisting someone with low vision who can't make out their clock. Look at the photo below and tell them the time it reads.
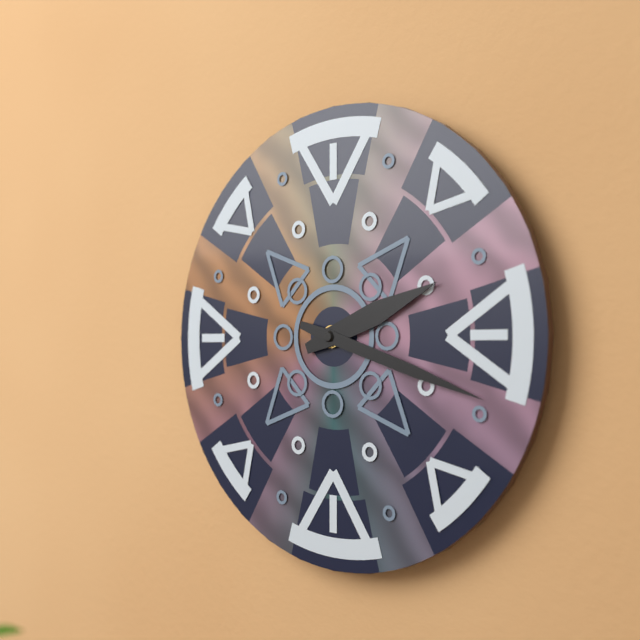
2:18
